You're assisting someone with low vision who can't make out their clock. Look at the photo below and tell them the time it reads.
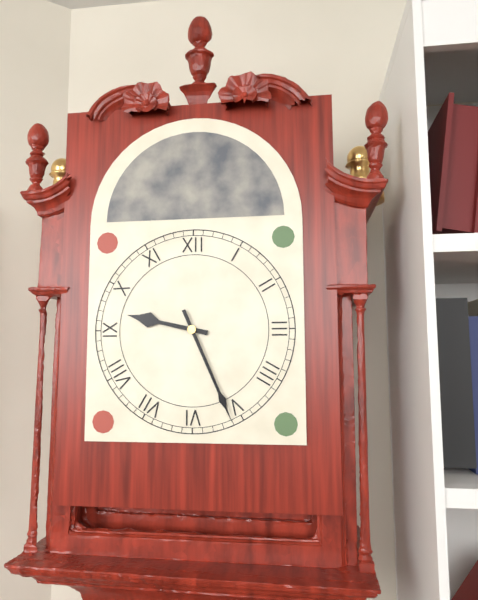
9:26
